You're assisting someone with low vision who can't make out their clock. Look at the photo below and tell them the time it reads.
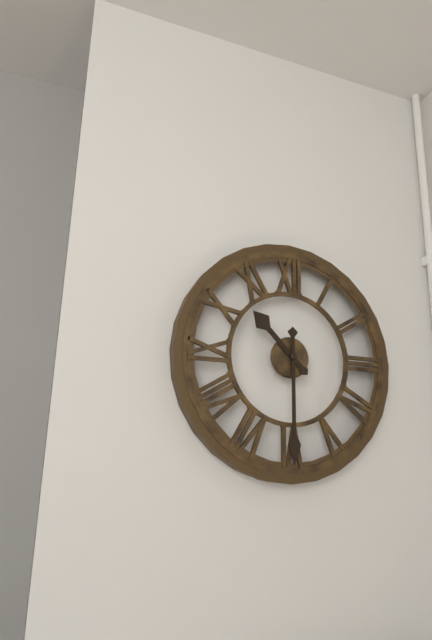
10:30
